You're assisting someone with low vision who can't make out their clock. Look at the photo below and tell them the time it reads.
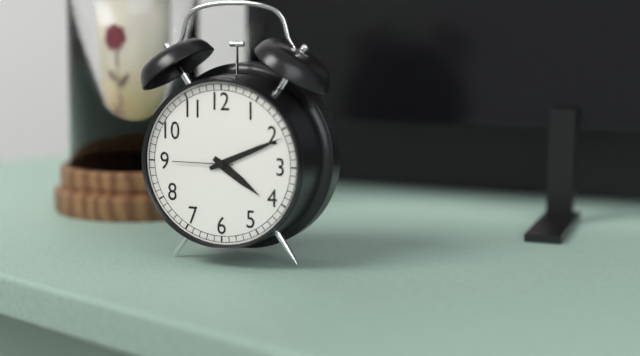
4:11:45
